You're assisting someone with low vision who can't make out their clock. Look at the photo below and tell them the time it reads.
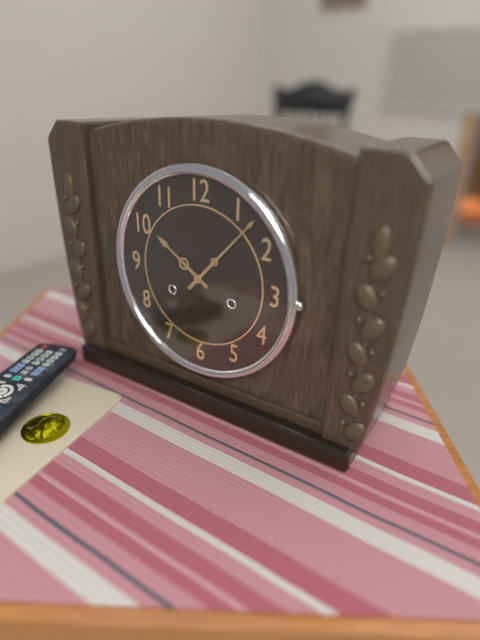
10:07
